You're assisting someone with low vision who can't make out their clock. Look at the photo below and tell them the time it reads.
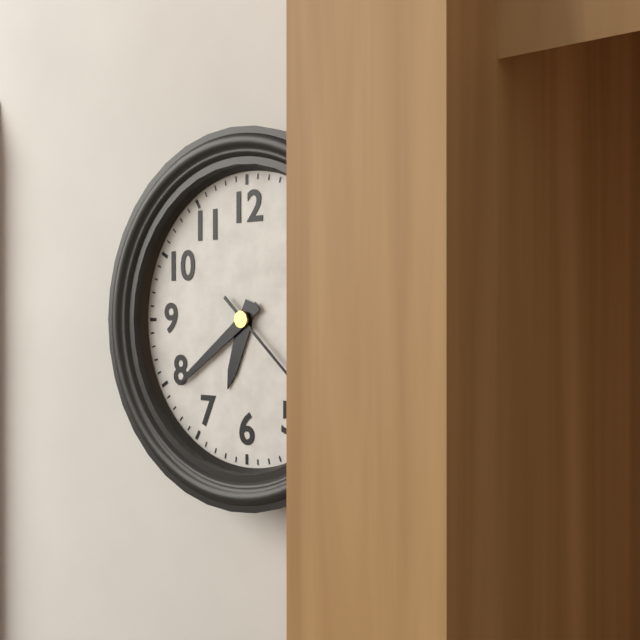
6:39
